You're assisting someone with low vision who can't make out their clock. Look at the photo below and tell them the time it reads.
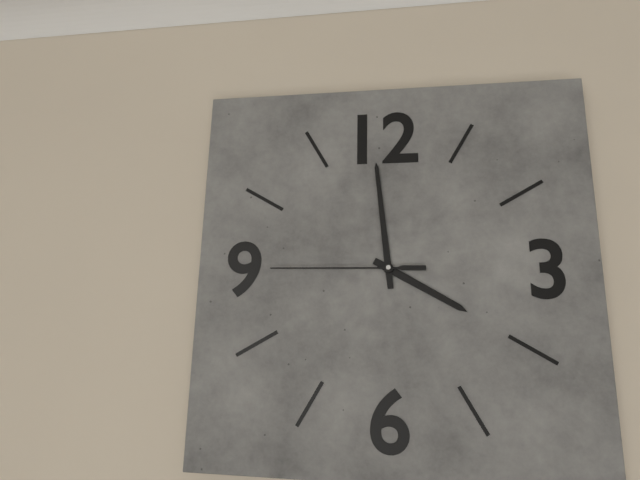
3:59:45
